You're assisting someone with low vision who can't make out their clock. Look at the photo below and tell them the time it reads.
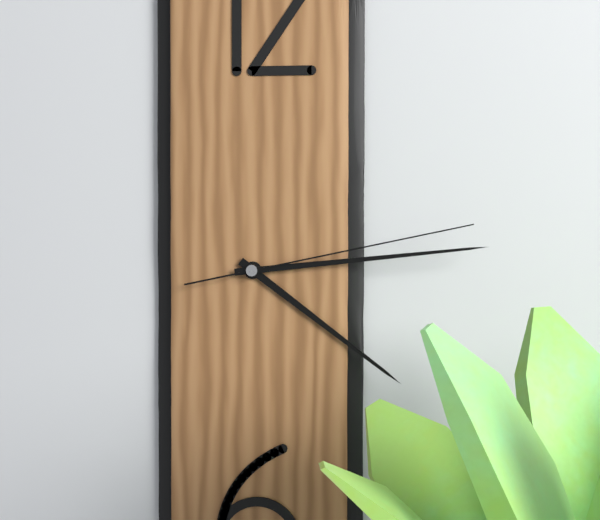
4:14:13
